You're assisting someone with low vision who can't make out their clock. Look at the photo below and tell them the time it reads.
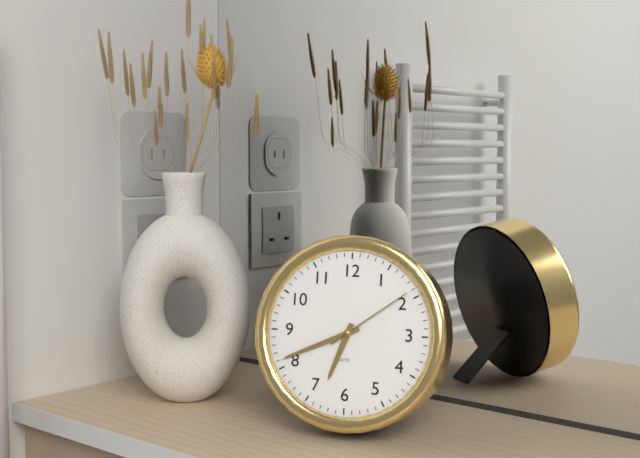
6:41:09
